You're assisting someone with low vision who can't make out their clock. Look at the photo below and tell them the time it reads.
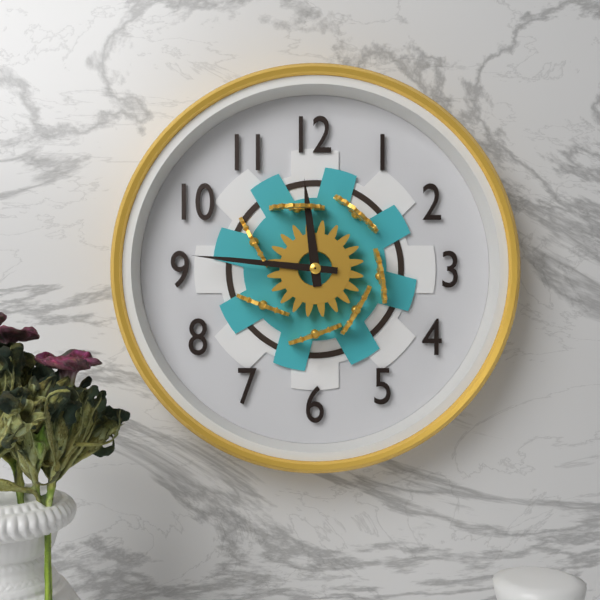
11:46
